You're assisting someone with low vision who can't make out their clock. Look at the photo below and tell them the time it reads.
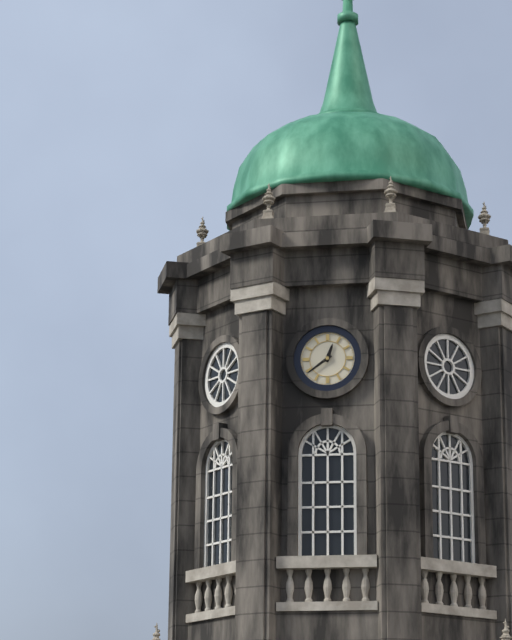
12:39
